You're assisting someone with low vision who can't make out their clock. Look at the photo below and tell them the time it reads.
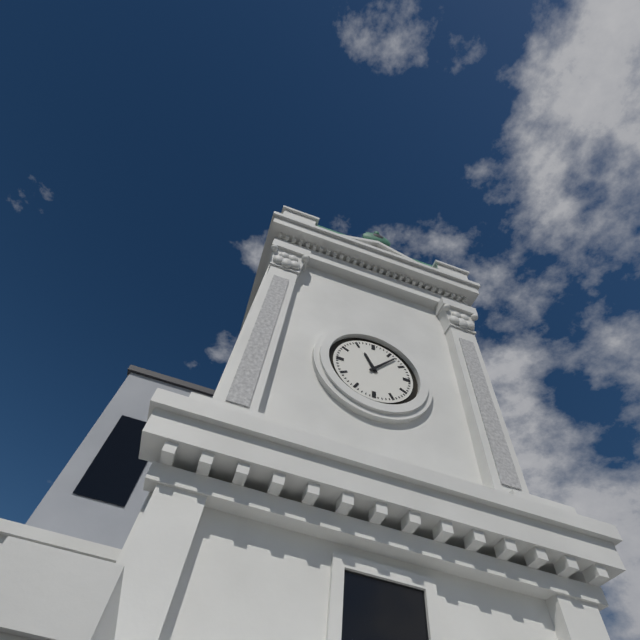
11:07
